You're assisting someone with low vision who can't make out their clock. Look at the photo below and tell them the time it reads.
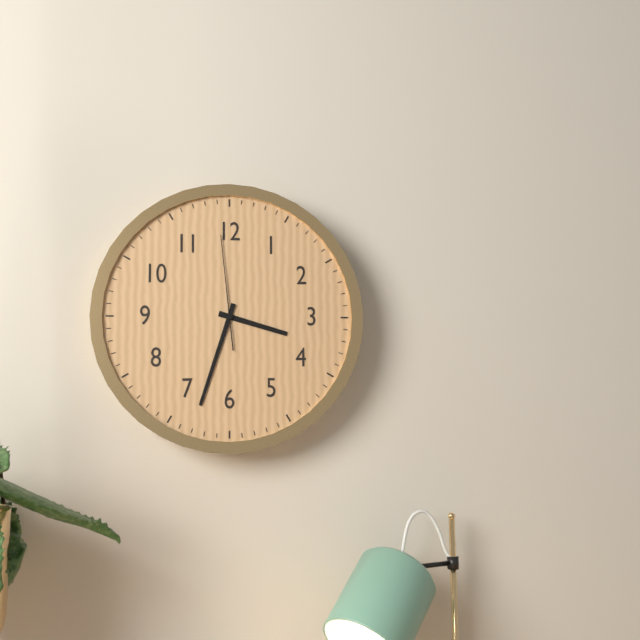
3:33:59
